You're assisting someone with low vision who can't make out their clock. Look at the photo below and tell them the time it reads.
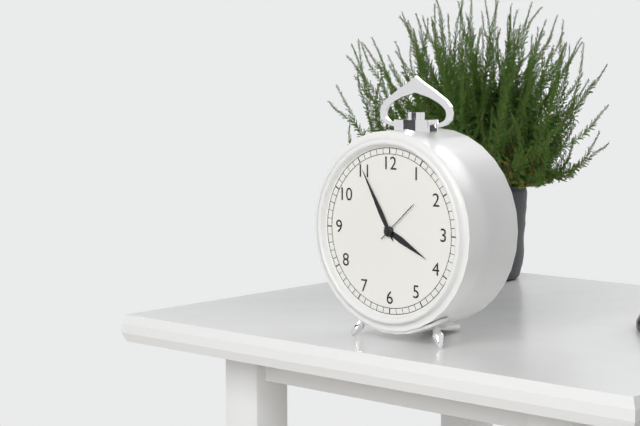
3:55
